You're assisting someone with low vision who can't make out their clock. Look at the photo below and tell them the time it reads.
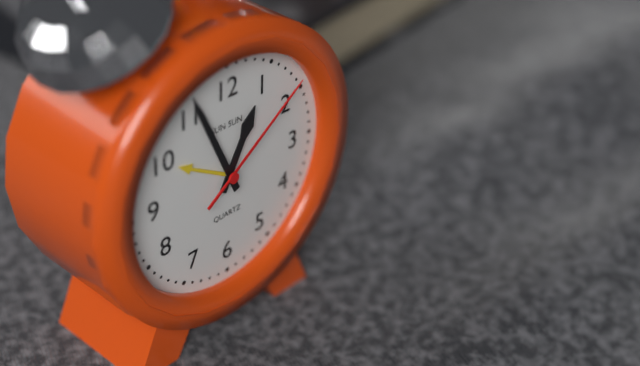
12:56:09
